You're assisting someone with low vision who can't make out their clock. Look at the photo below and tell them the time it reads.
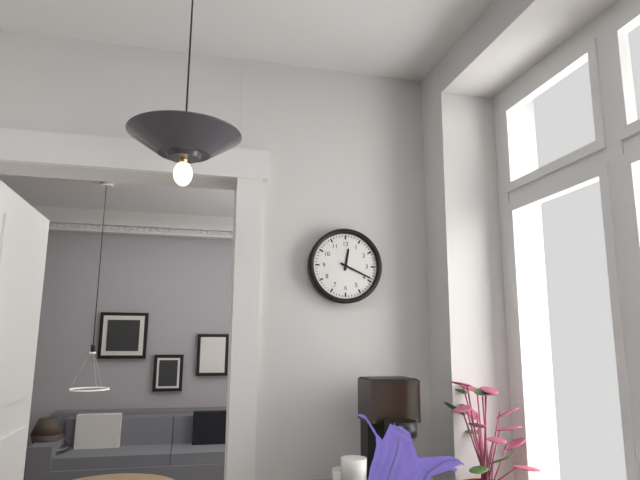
12:19
